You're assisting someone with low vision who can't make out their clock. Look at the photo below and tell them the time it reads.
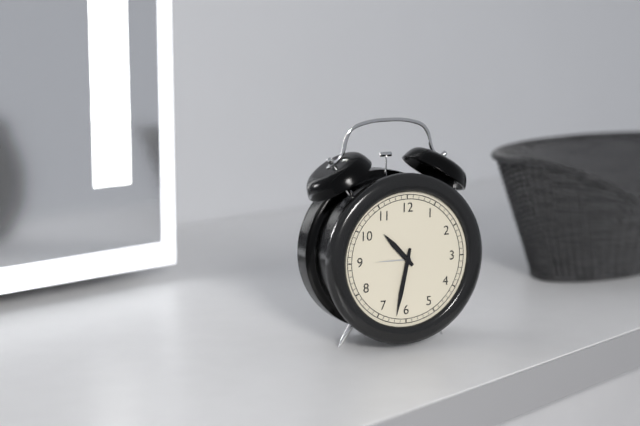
10:32
